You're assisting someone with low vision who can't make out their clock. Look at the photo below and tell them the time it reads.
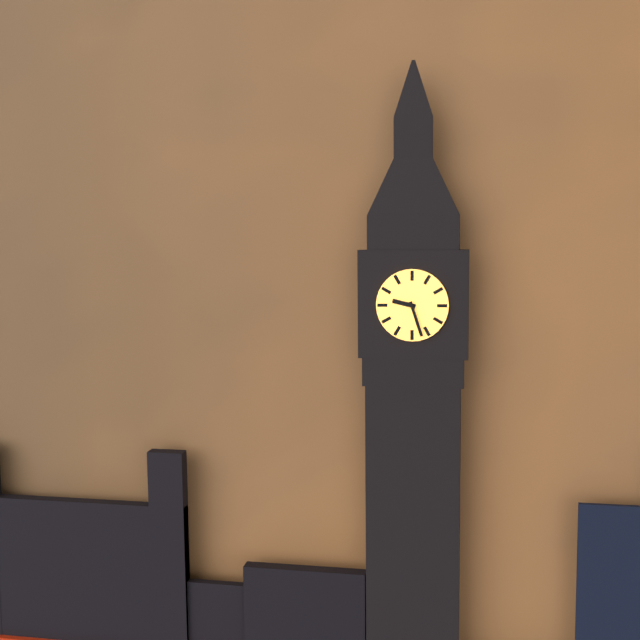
9:27
